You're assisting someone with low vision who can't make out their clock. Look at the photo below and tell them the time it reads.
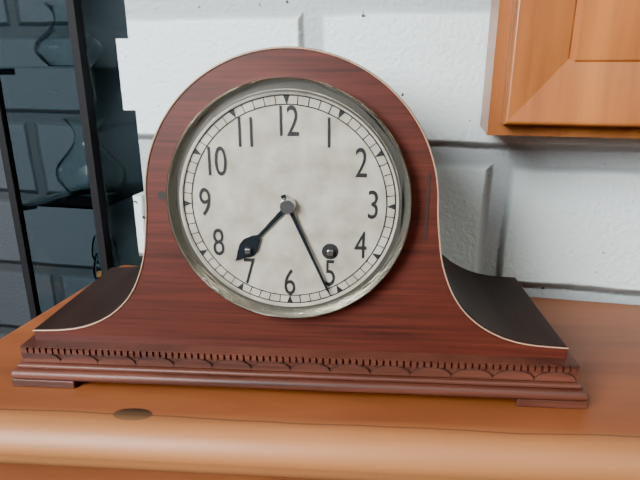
7:26
